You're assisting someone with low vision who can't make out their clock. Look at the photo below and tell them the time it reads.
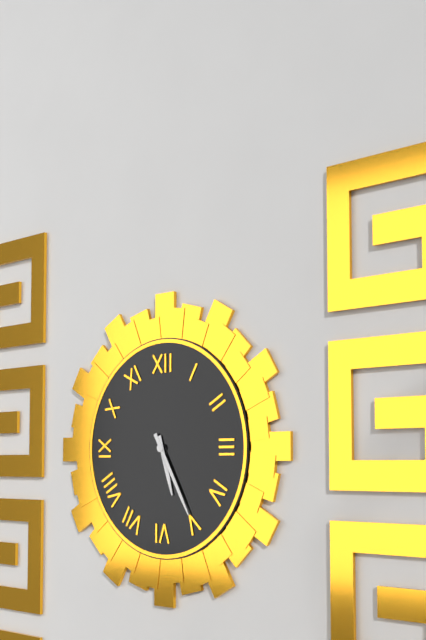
5:25
